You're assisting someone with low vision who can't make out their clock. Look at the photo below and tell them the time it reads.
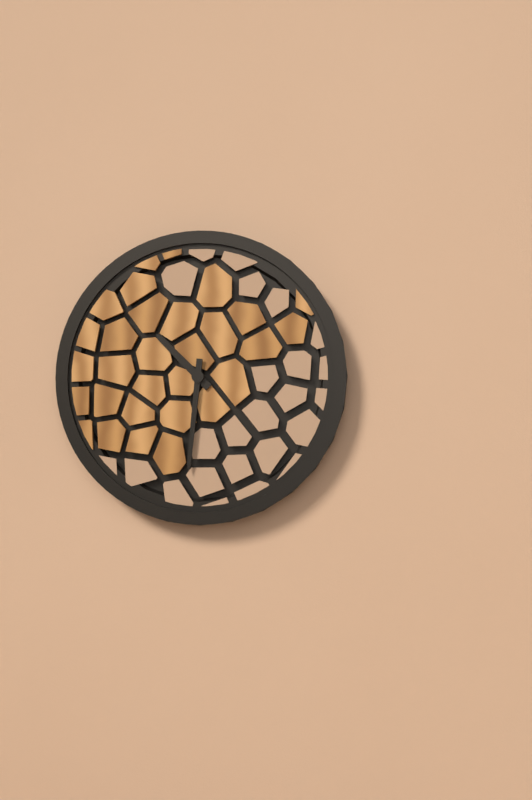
10:31
